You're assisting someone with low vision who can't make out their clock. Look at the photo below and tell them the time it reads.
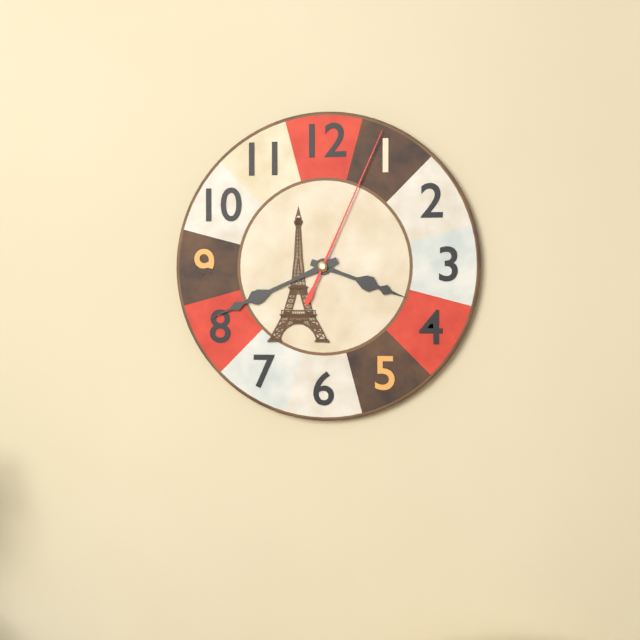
3:41:04
